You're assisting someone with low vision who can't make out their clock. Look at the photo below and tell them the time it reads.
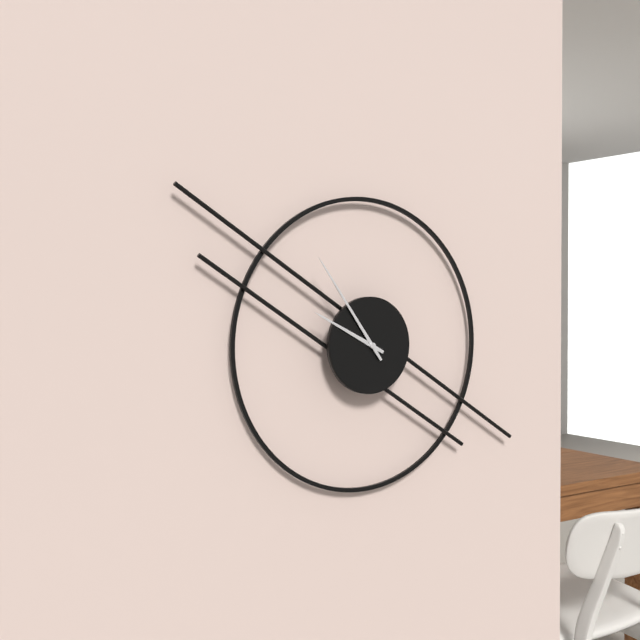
9:54
